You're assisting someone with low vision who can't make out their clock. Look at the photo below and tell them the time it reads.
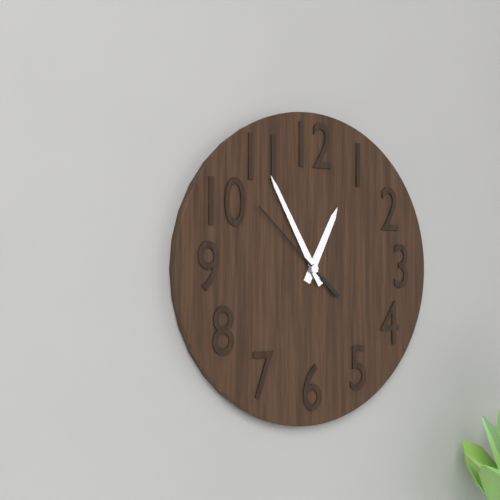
12:55:52
